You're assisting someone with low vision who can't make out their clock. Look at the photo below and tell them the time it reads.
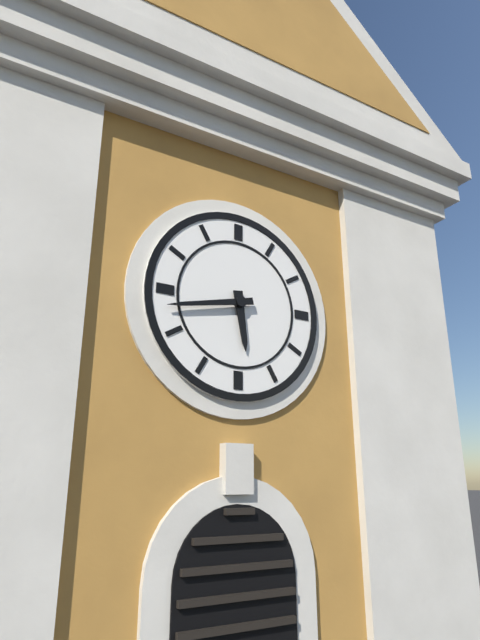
5:43
